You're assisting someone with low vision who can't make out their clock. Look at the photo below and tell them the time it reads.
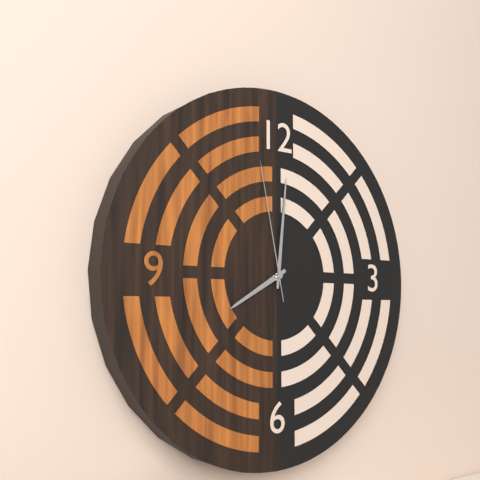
8:01:58
